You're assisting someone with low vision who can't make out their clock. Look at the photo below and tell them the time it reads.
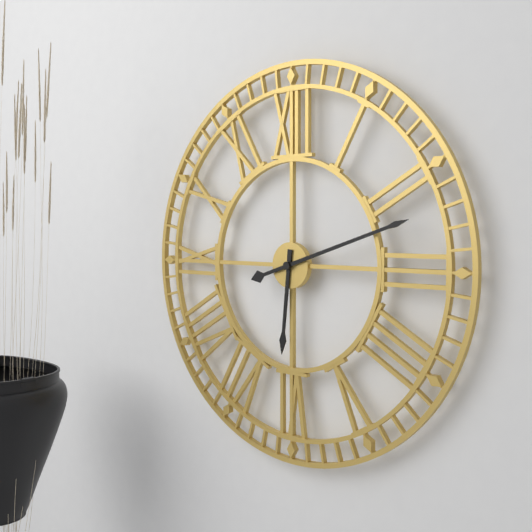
6:12
